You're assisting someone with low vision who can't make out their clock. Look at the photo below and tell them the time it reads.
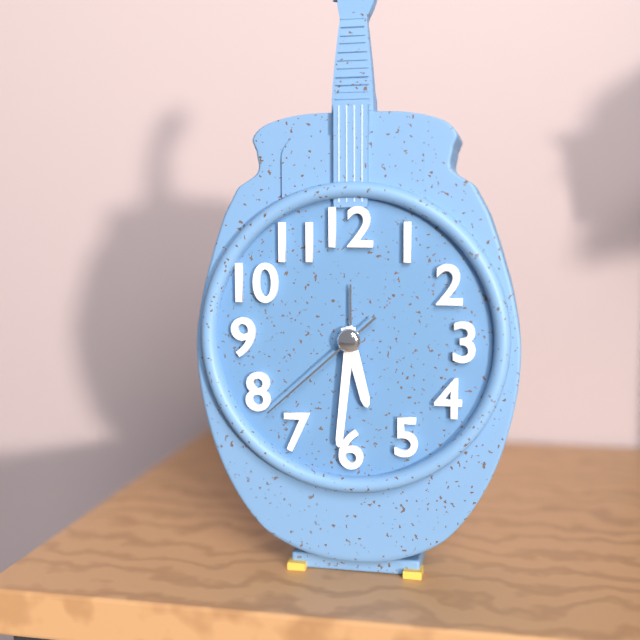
5:31:38
